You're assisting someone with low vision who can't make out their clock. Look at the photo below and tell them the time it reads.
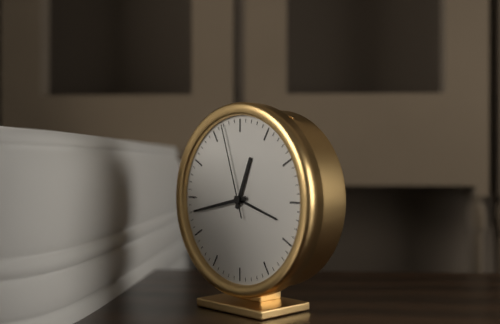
12:43:57
